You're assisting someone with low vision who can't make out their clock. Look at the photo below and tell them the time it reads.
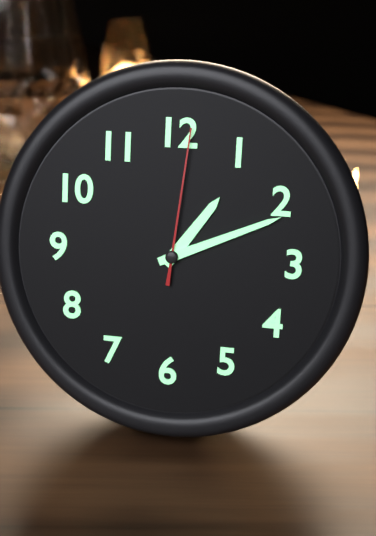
1:11:01
